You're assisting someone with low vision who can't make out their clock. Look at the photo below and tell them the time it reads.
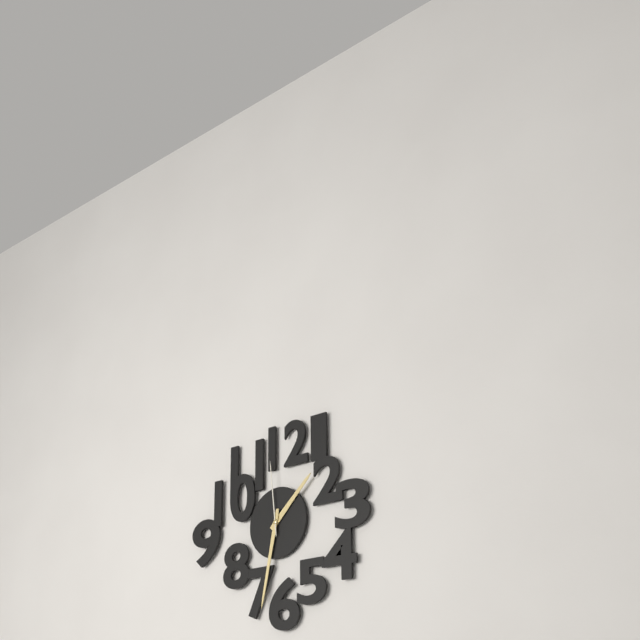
1:32:59
